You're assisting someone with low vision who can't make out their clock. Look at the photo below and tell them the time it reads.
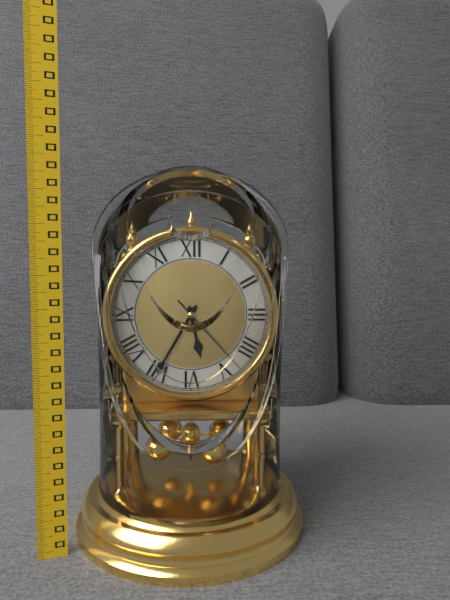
5:35:23
